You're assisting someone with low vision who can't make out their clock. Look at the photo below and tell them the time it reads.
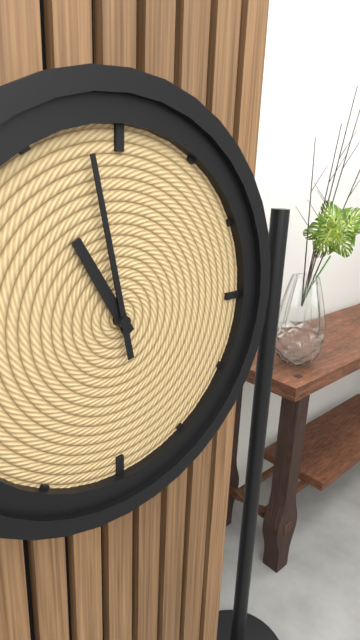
10:58
